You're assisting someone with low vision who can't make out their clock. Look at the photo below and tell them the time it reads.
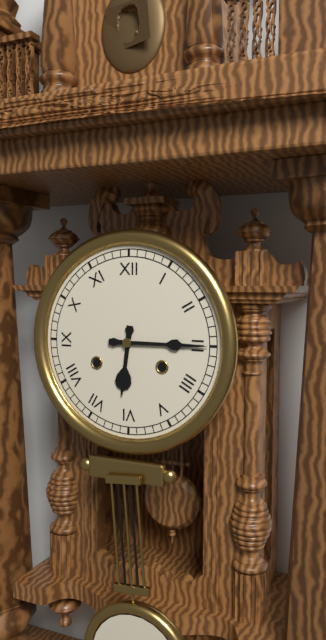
6:15
